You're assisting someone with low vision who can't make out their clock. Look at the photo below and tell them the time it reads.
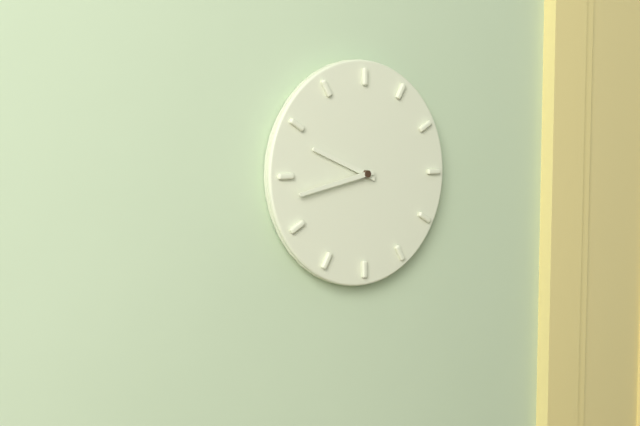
9:43
